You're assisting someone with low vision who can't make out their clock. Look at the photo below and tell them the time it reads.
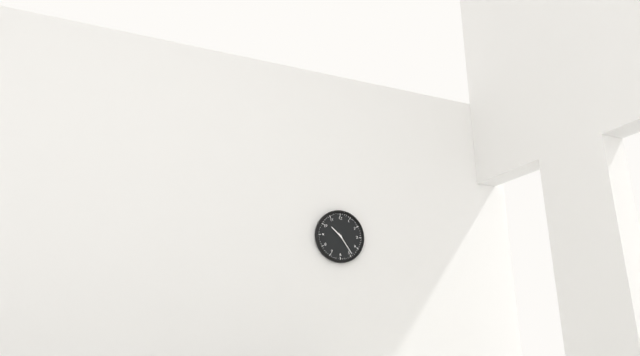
10:24
